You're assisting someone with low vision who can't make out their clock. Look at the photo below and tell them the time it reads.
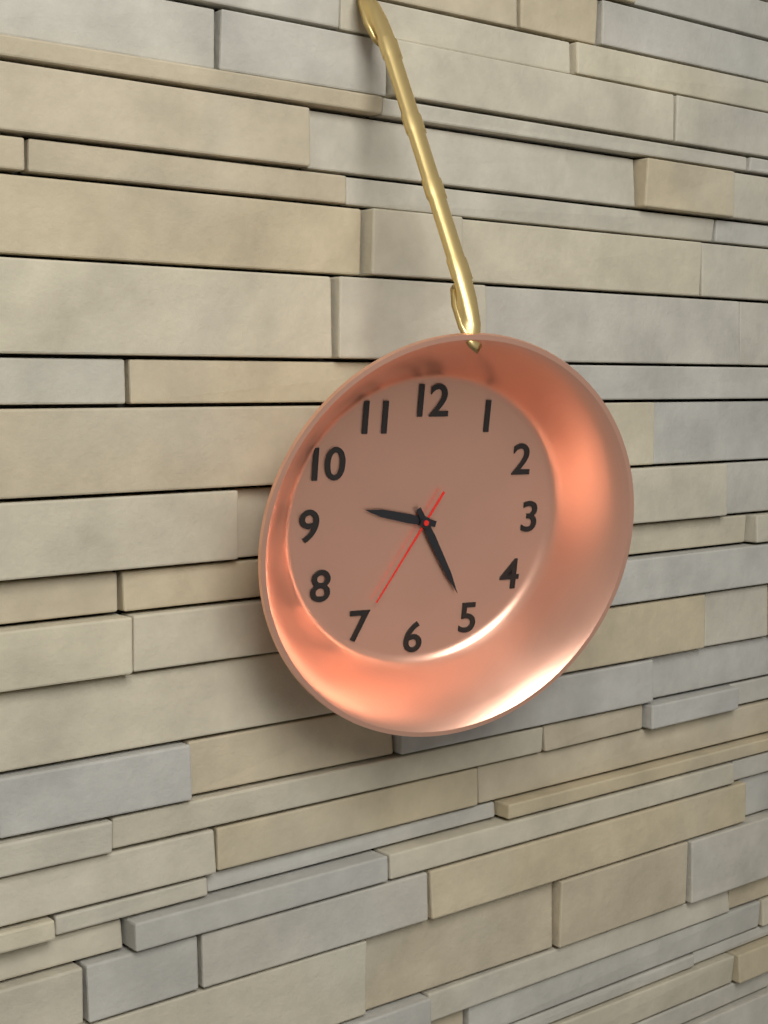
9:25:35
